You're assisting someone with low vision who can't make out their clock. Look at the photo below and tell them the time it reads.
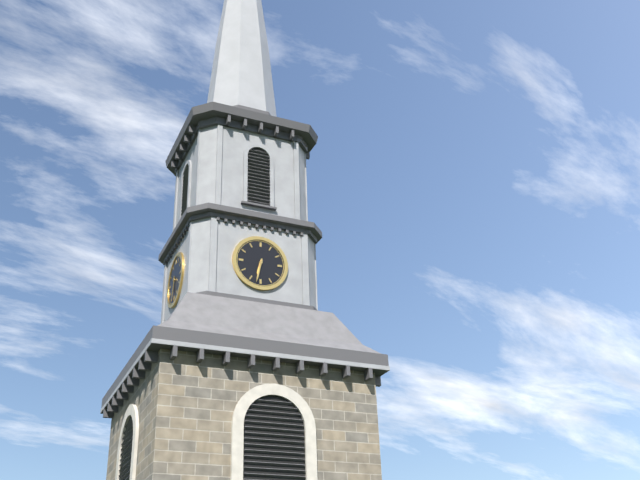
6:32
